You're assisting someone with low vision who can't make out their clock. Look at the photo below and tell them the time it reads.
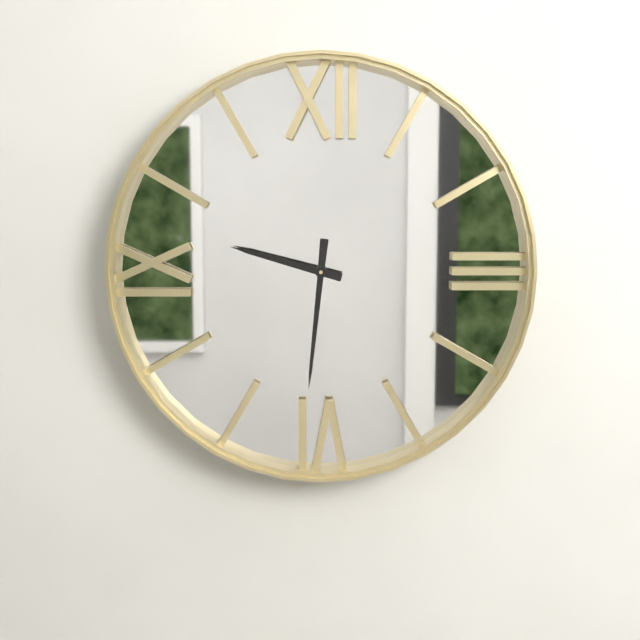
9:31
